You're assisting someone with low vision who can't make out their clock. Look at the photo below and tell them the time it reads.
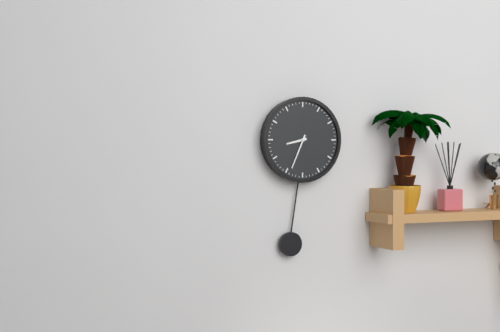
8:34
